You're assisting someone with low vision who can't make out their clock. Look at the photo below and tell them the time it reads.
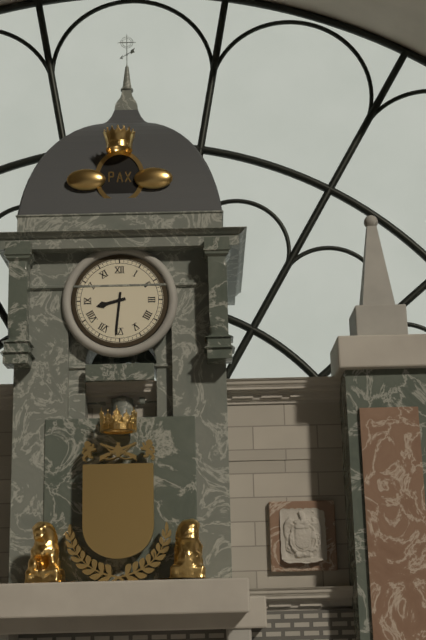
8:31
